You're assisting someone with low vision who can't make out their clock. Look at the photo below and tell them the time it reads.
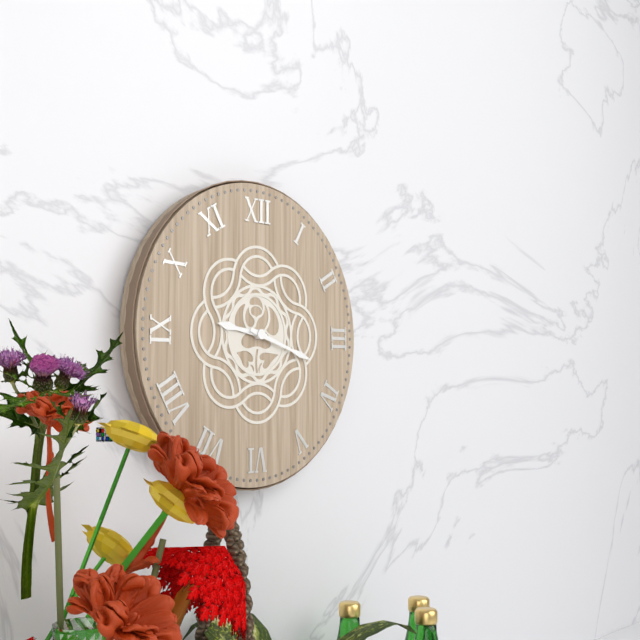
9:18
